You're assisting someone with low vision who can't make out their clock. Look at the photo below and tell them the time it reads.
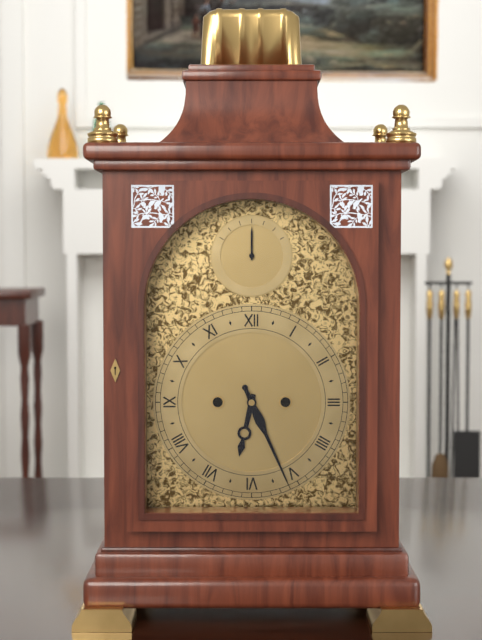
6:26
